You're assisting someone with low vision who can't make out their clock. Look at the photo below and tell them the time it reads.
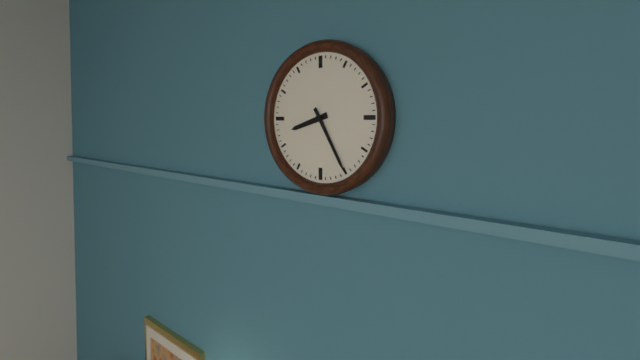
8:25
